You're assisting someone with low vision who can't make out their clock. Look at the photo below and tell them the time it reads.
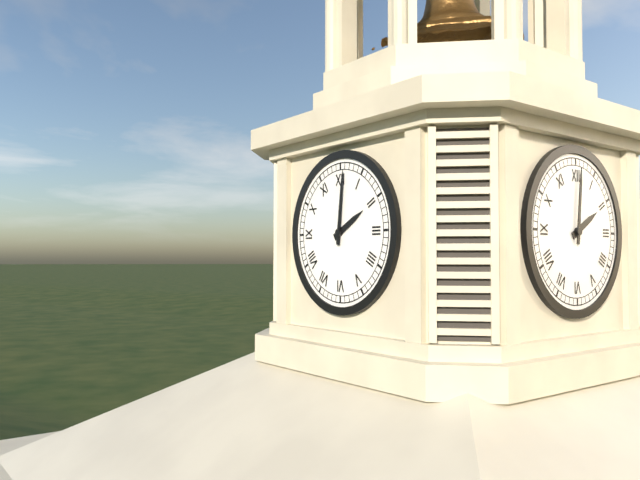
2:01
